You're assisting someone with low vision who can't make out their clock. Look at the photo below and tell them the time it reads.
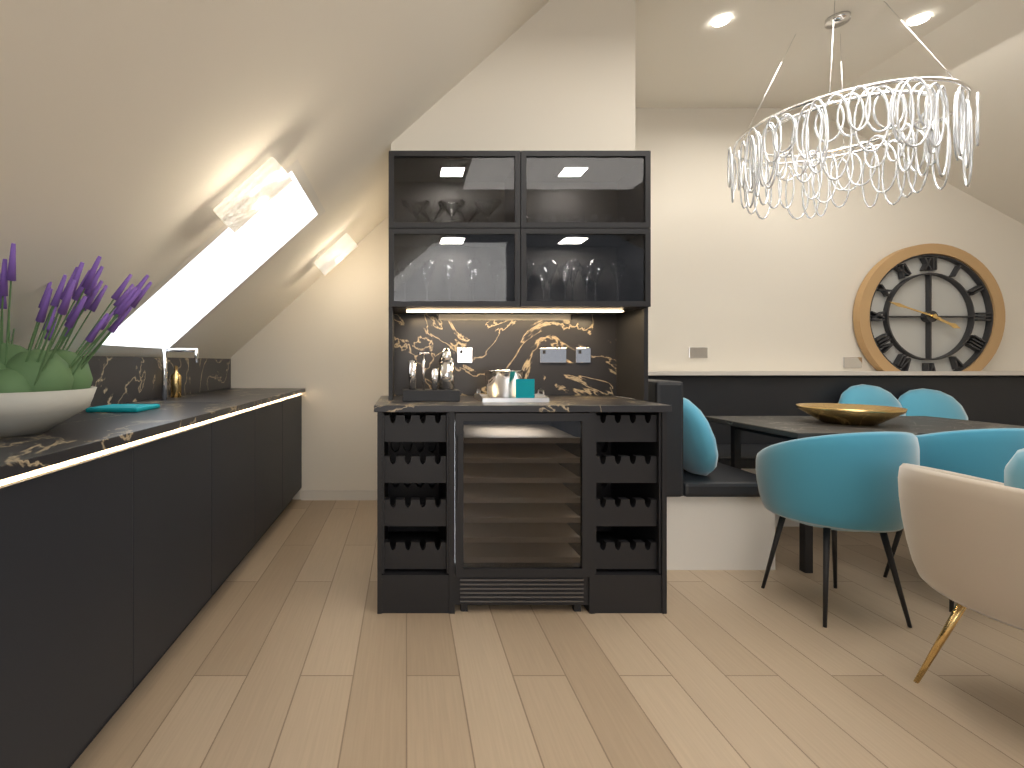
3:48
